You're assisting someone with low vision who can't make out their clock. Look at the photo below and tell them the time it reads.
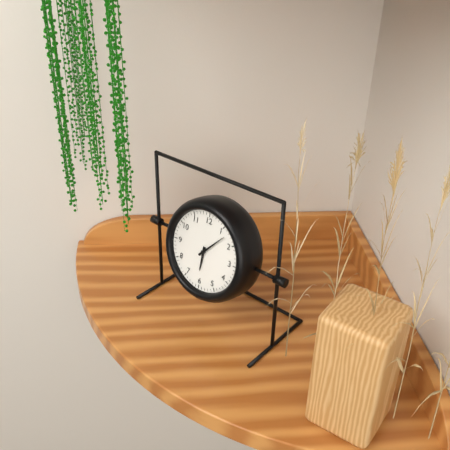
6:07
